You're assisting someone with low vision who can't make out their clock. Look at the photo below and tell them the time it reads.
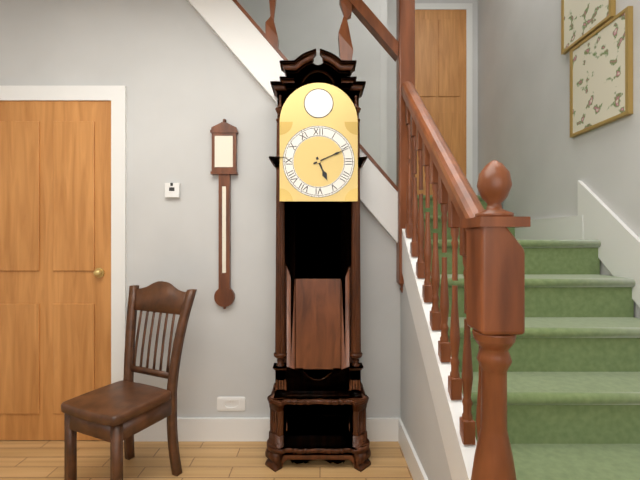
5:11
